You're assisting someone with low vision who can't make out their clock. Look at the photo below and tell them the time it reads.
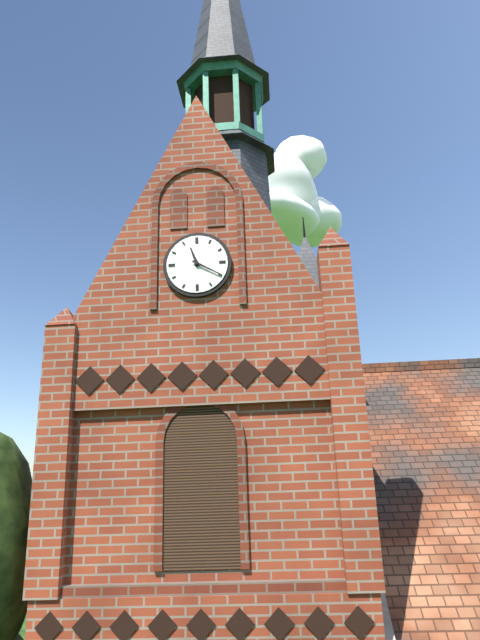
11:20
